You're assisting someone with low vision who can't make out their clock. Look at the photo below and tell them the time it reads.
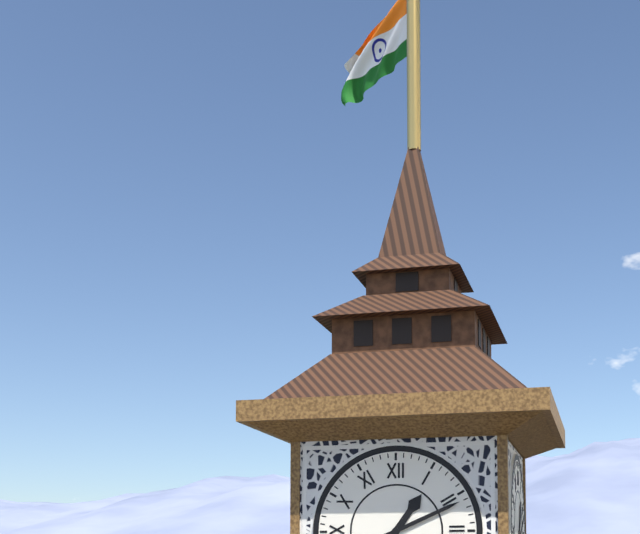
1:11
